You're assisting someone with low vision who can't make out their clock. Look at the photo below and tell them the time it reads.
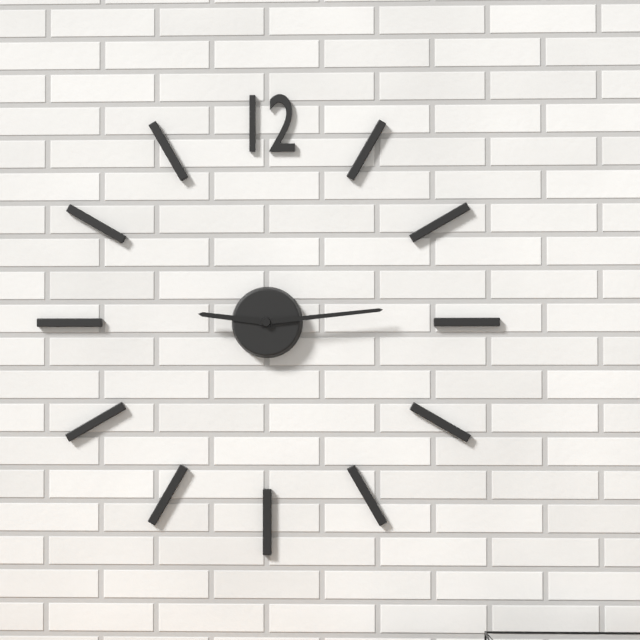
9:14
